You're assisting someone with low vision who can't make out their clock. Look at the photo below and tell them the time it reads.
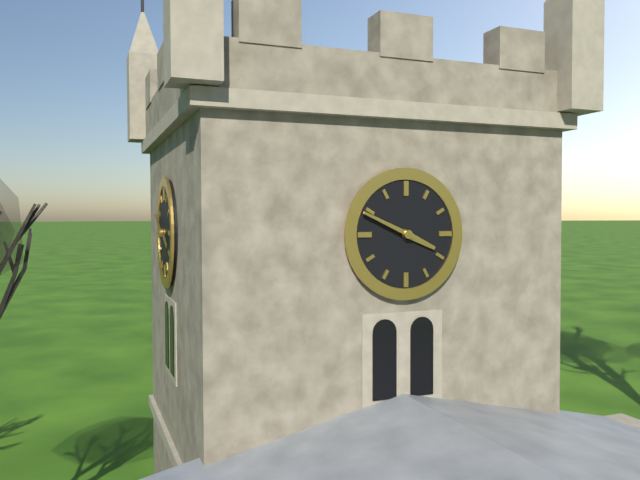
3:49
